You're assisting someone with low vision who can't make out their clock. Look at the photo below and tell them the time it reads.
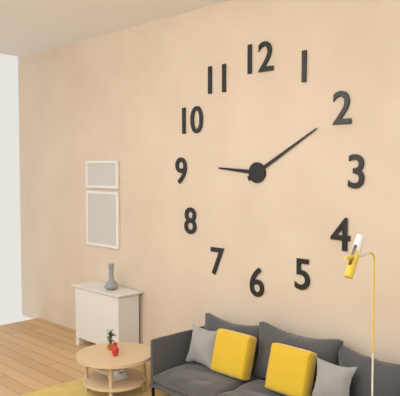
9:10
